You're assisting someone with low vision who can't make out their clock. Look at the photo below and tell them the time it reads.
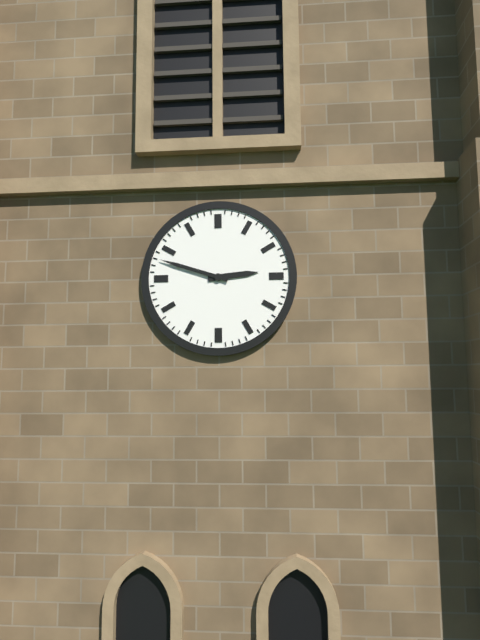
2:48
